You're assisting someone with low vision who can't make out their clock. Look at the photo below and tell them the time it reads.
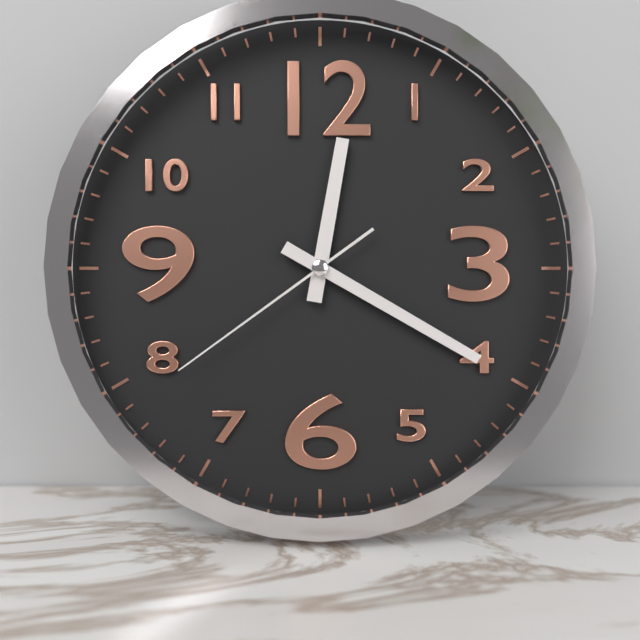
12:20:39
